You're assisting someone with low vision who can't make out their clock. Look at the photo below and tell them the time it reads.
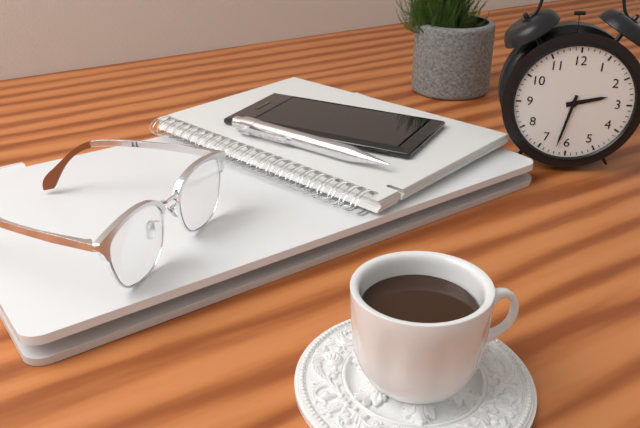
2:32
